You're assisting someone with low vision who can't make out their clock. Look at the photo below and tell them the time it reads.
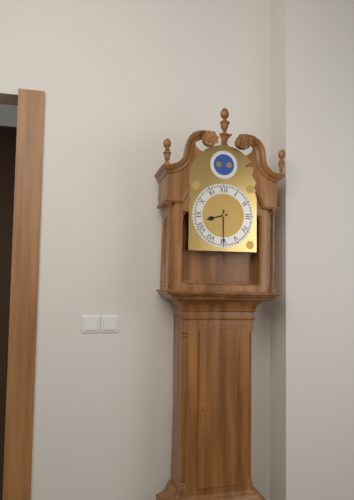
8:30
